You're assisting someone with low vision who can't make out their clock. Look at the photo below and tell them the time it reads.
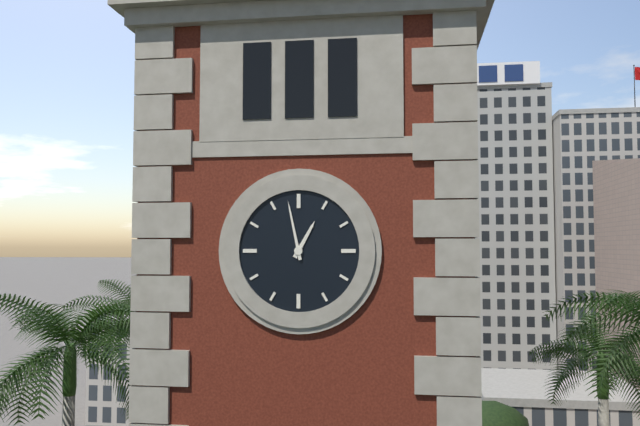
12:58
